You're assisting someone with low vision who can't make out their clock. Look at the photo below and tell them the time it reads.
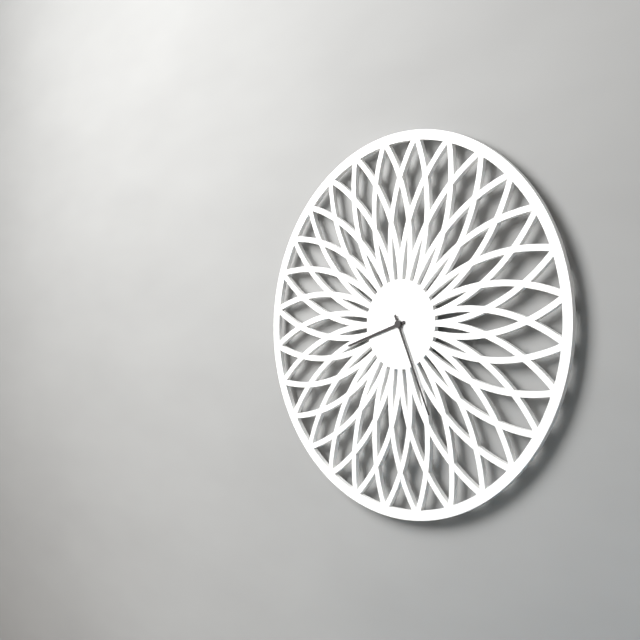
8:26
